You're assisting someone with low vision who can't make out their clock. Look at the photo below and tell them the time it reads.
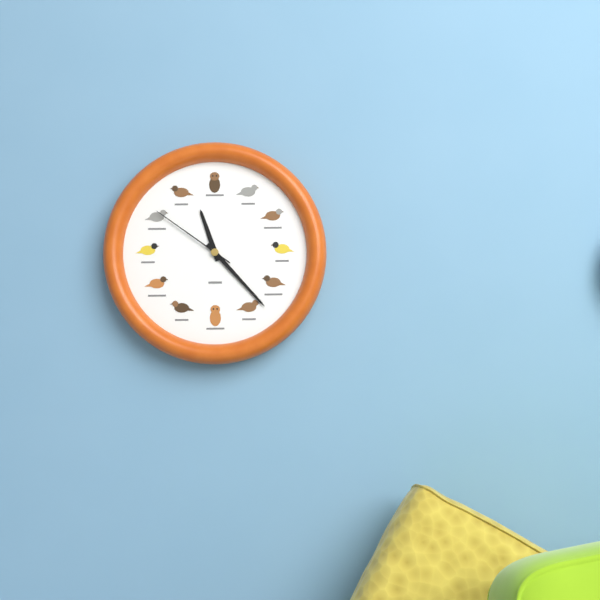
11:23:51
